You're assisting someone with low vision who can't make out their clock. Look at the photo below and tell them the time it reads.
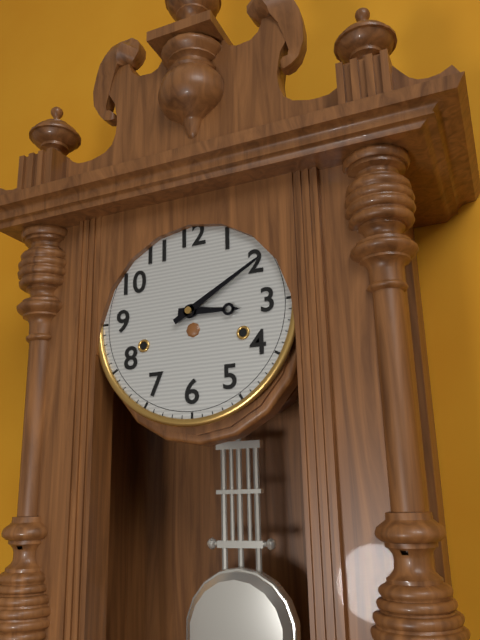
3:10
